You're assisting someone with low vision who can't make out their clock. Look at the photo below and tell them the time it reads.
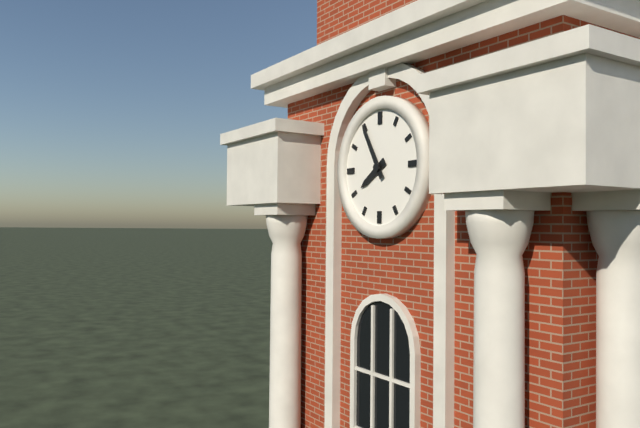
7:55
